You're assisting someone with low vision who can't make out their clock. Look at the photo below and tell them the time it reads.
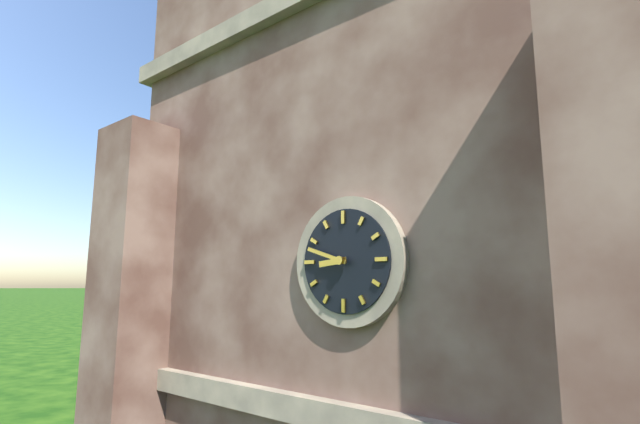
8:48
